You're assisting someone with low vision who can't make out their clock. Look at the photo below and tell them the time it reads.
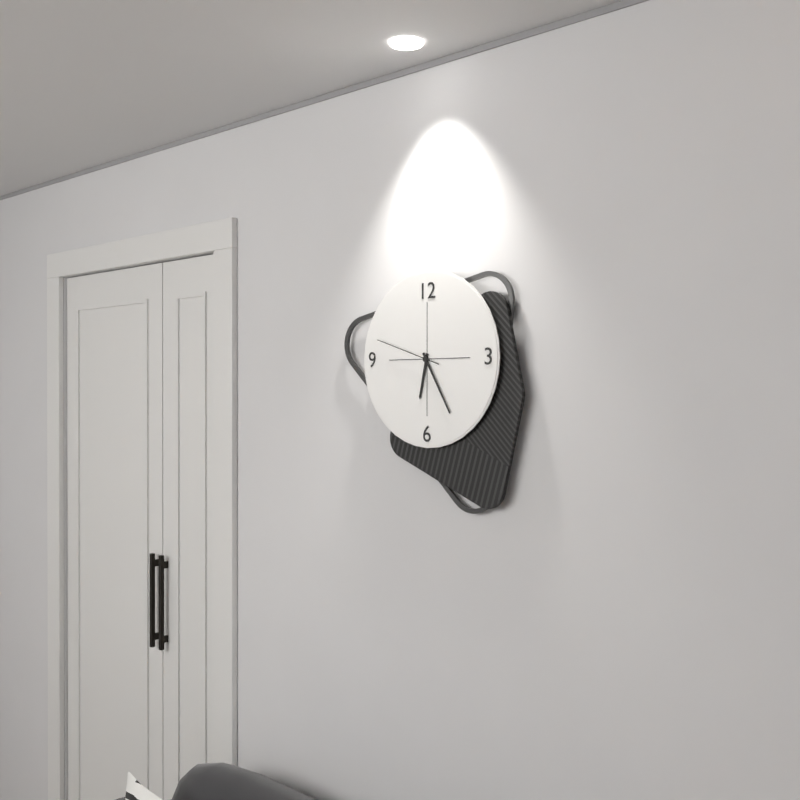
6:25:48
